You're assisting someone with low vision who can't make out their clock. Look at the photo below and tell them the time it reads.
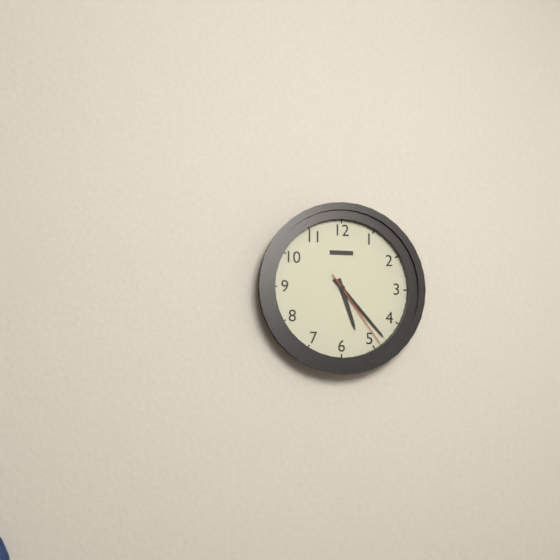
5:23:24
